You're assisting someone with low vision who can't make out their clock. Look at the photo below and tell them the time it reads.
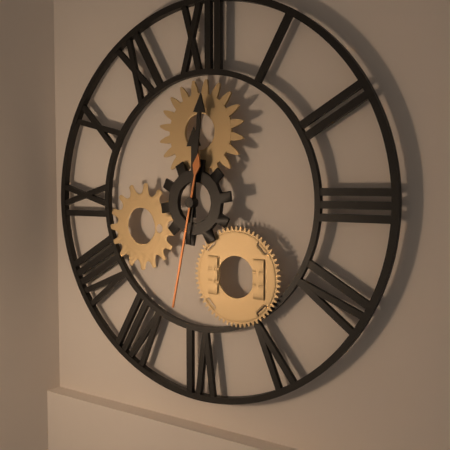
12:01:32
